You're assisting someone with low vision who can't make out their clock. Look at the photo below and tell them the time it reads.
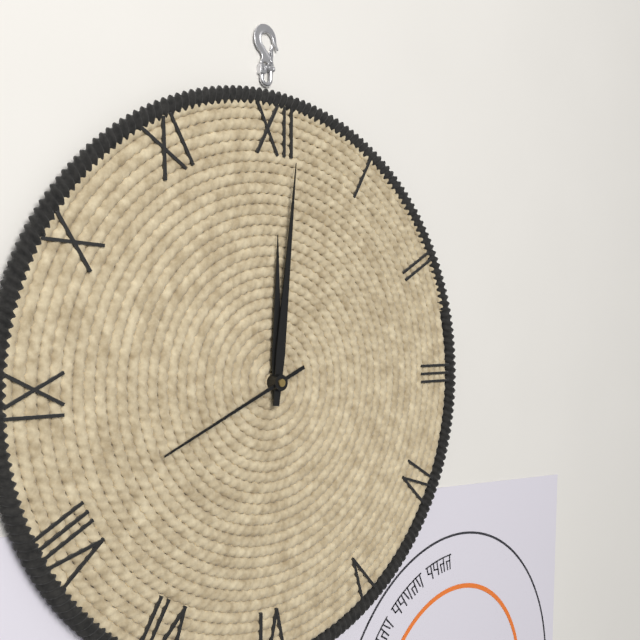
12:01:41
